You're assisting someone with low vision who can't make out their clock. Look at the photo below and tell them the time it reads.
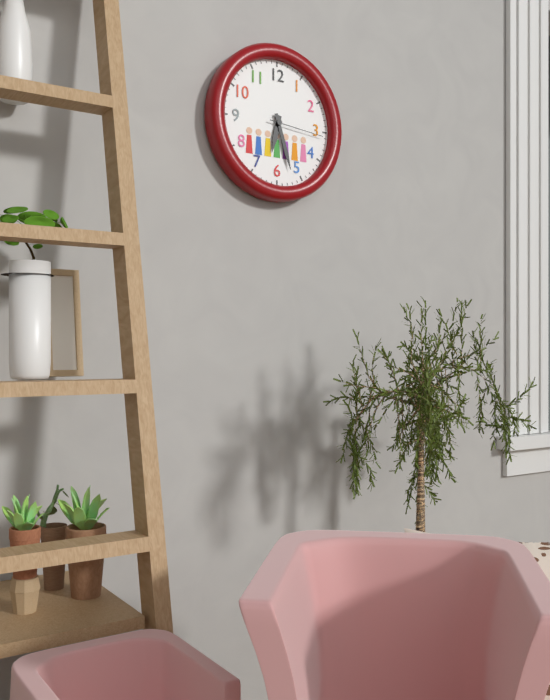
6:27:16
